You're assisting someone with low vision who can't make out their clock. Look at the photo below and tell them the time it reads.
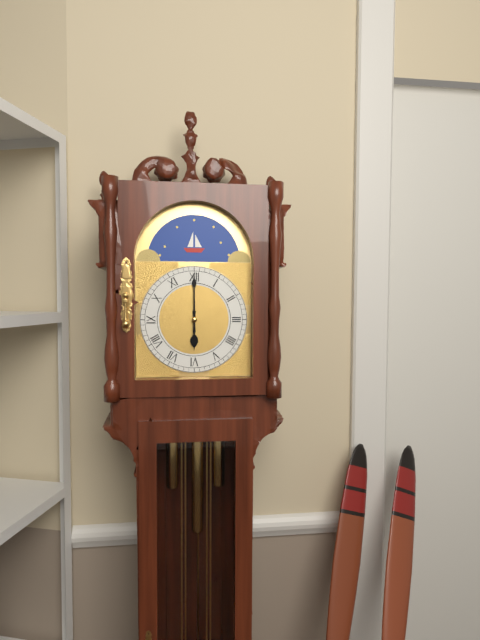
6:00
